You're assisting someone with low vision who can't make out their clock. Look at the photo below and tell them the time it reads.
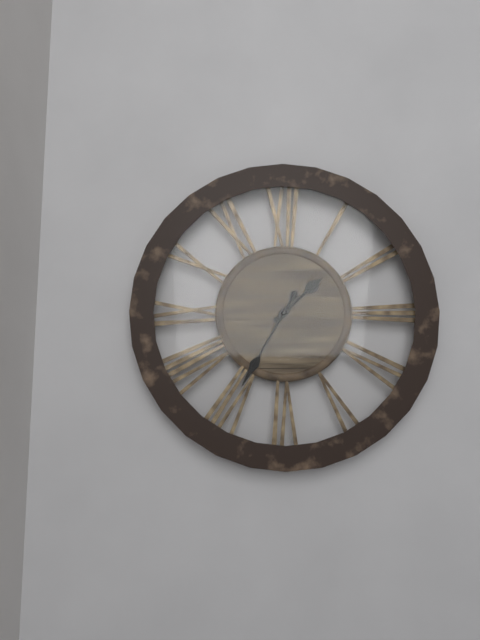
1:35
